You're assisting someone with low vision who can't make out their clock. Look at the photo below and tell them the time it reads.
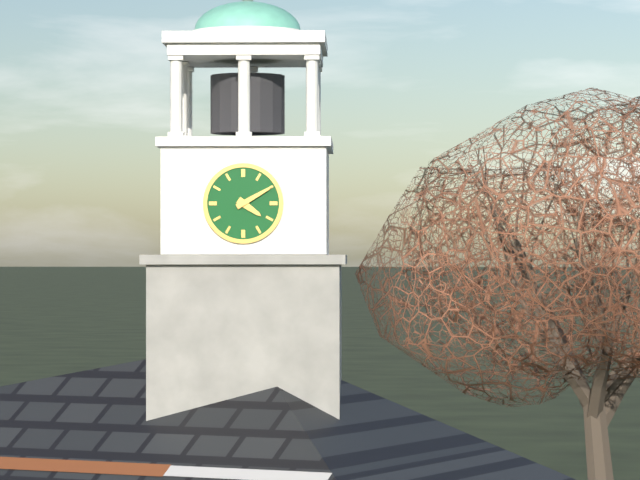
4:10
